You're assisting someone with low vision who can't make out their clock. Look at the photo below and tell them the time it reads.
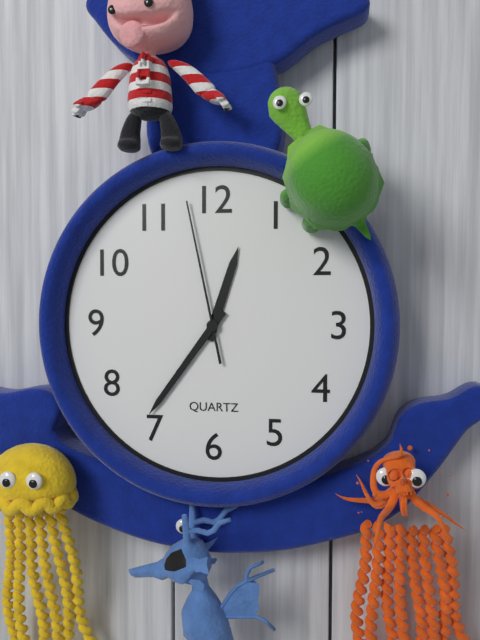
12:36:58
